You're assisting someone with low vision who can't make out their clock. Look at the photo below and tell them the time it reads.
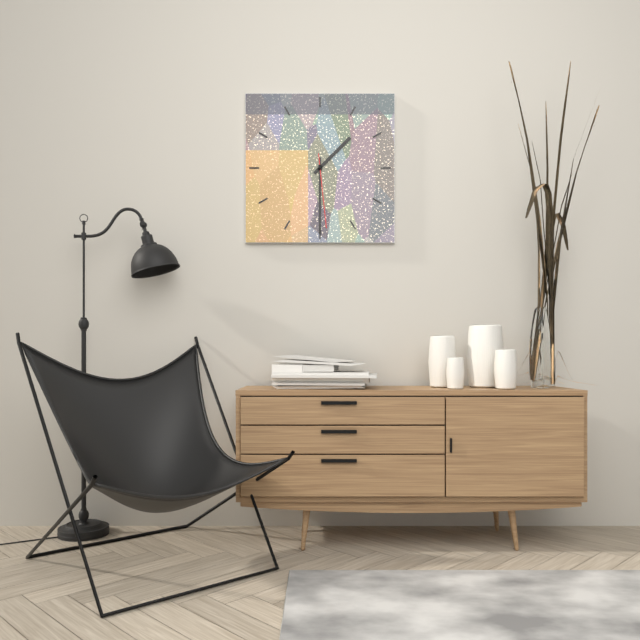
1:30:29
